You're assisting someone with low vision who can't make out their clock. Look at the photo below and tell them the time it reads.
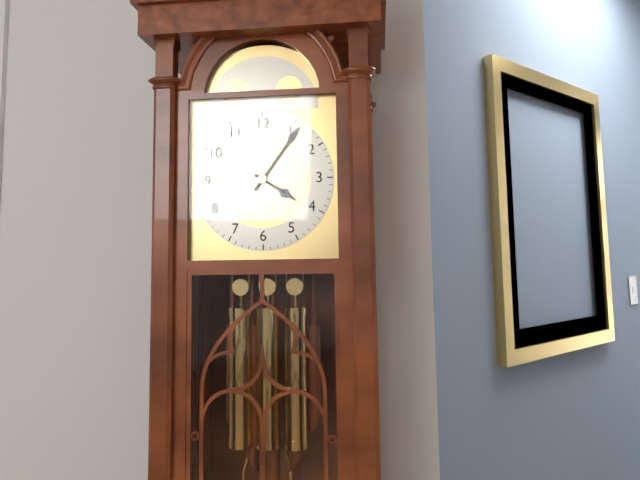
4:06
